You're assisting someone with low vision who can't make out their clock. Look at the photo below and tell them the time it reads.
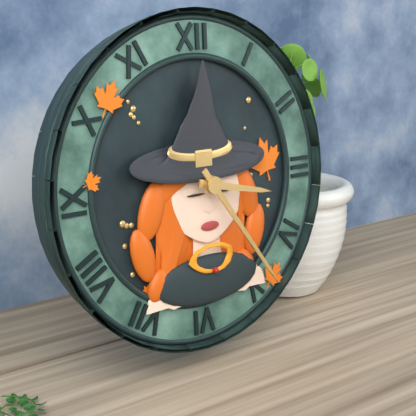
3:24
